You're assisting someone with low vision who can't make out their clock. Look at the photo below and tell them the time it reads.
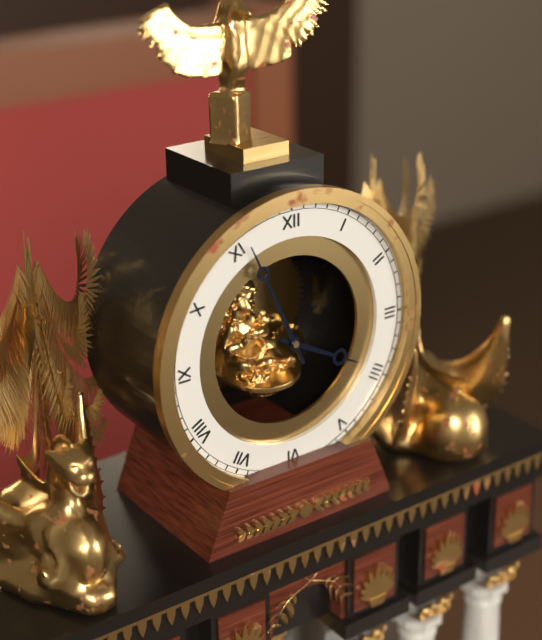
3:56
